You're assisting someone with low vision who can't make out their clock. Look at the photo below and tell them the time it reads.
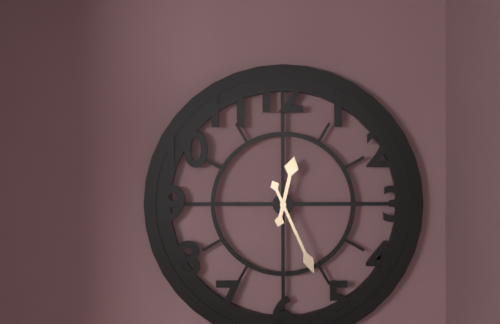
12:26
